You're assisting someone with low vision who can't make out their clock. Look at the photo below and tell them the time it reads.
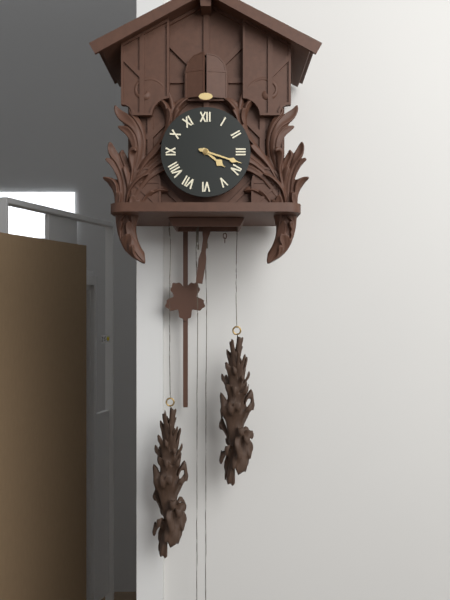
4:18
